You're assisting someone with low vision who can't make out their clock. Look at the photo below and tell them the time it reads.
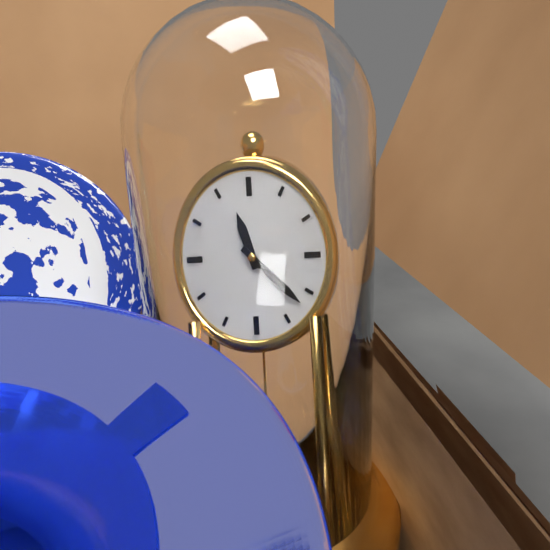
11:22
